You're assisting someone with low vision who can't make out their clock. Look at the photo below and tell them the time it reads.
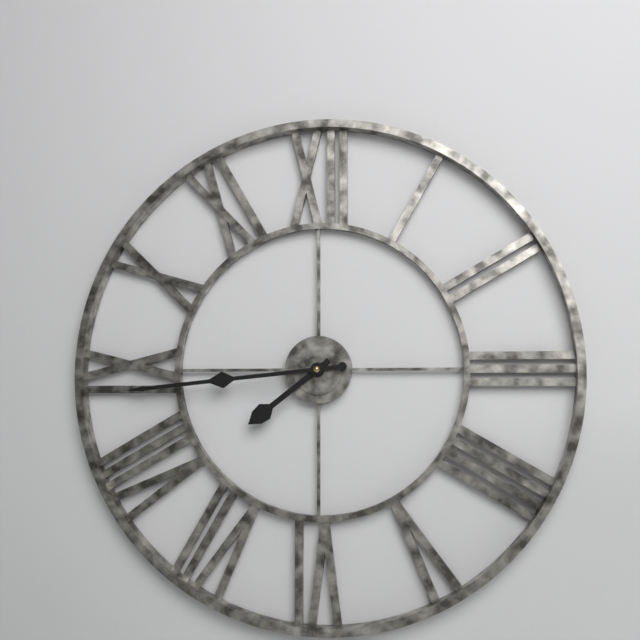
7:44
